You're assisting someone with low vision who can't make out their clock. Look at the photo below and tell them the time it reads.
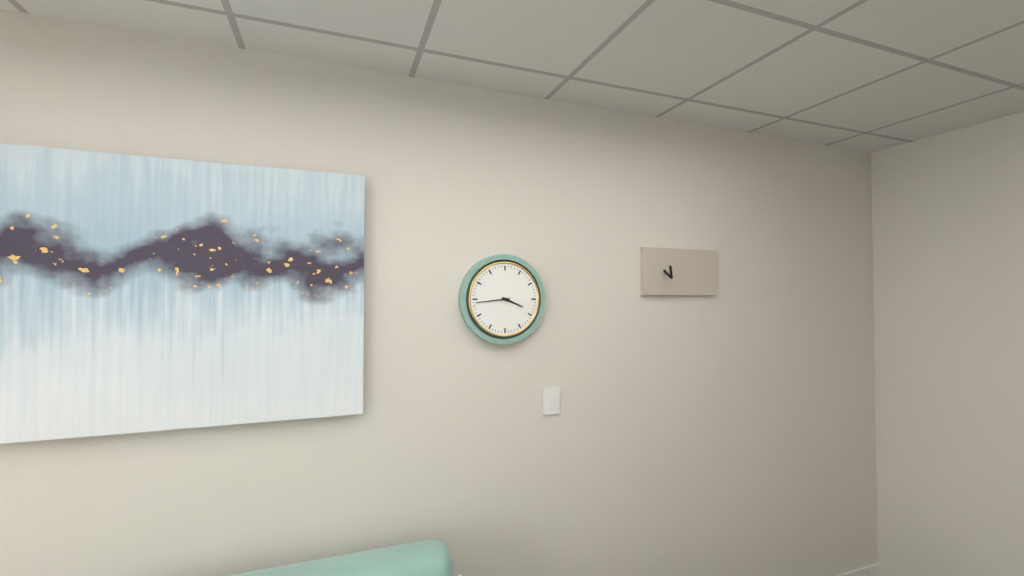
3:44
